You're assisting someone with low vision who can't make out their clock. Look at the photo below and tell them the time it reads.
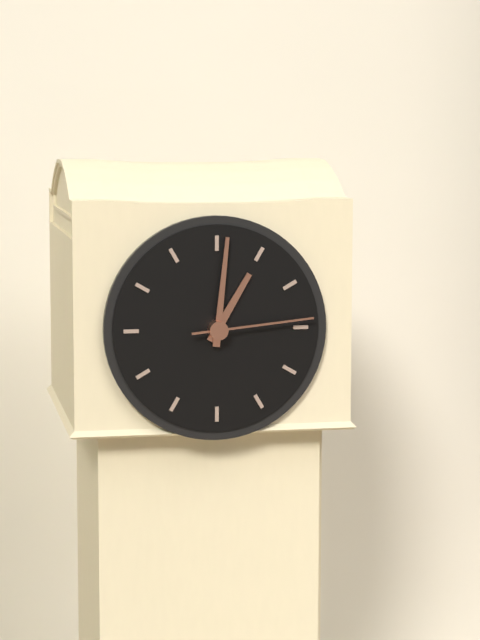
1:01:14
